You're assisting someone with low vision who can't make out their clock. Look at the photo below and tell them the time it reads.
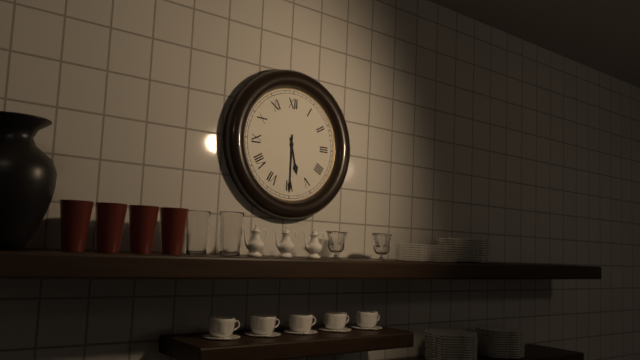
5:30
